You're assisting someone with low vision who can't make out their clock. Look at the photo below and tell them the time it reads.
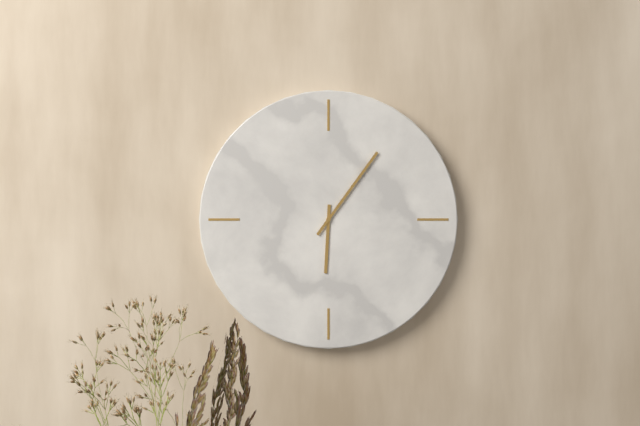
6:06
